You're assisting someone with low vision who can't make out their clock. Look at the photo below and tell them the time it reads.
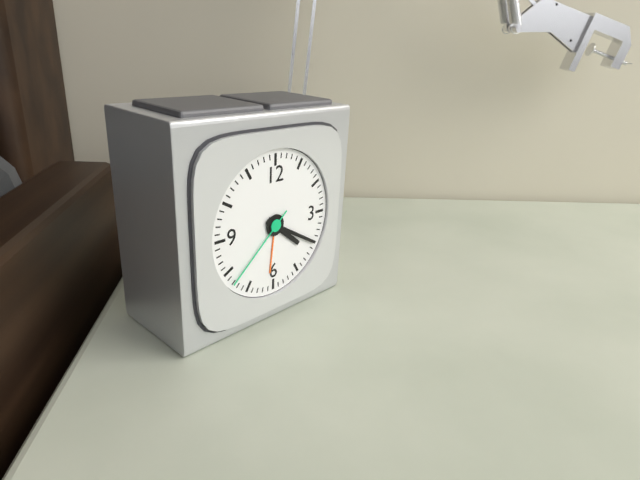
4:20:38
